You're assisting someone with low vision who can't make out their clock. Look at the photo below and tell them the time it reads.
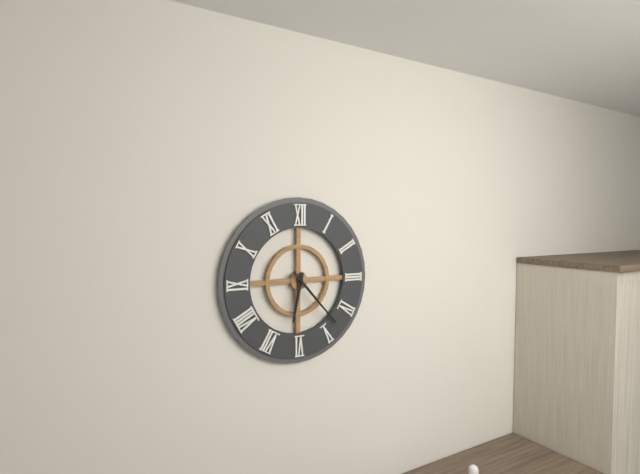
6:23
